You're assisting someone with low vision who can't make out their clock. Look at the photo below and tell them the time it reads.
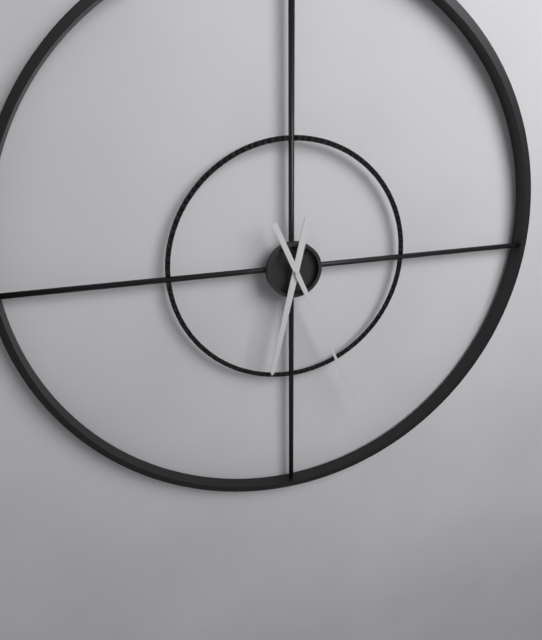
6:26
